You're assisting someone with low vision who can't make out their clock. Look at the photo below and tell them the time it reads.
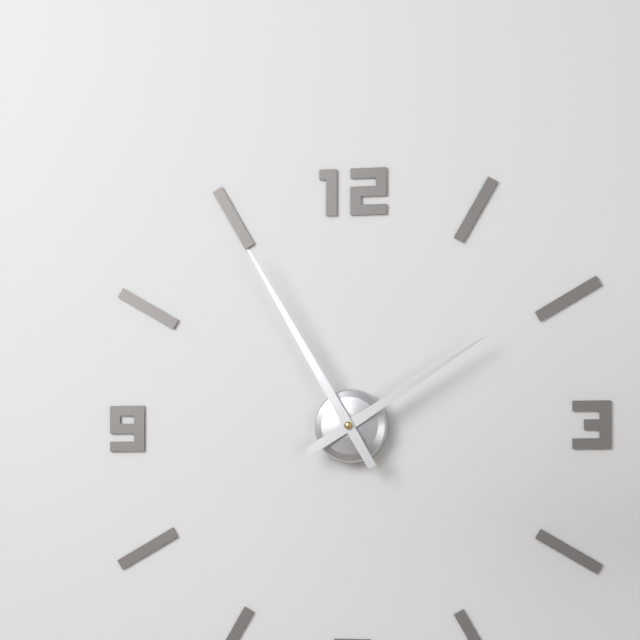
1:55
